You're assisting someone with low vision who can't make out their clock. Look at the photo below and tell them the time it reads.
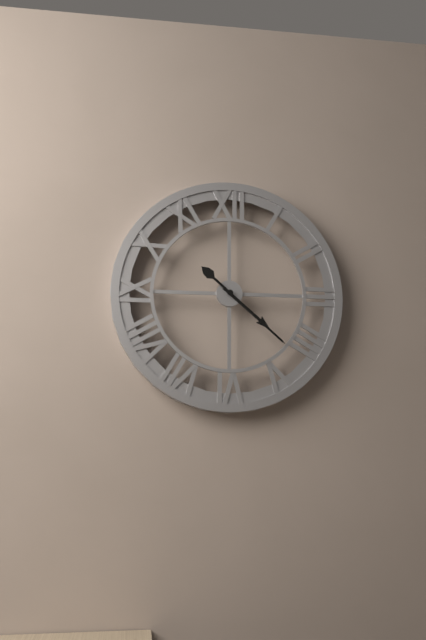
4:22
